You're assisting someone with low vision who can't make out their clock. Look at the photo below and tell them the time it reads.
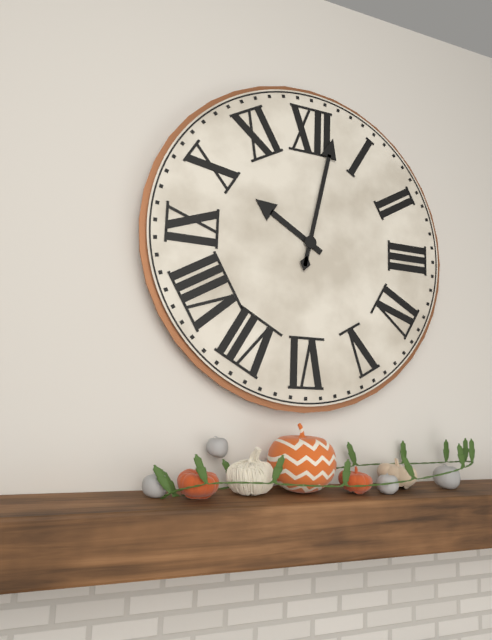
10:02
